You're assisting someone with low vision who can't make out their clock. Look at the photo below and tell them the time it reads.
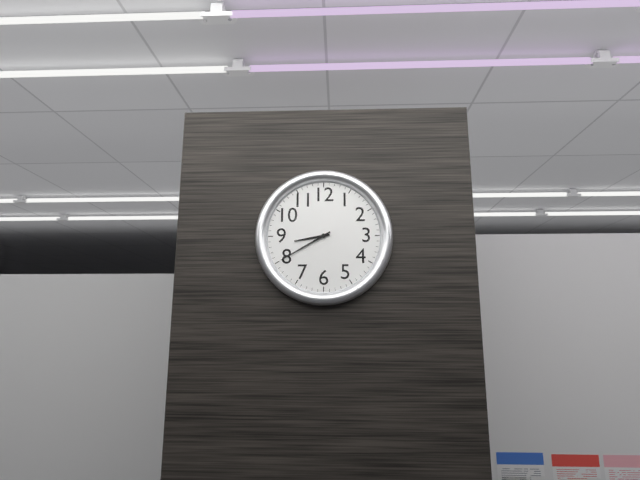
8:40
